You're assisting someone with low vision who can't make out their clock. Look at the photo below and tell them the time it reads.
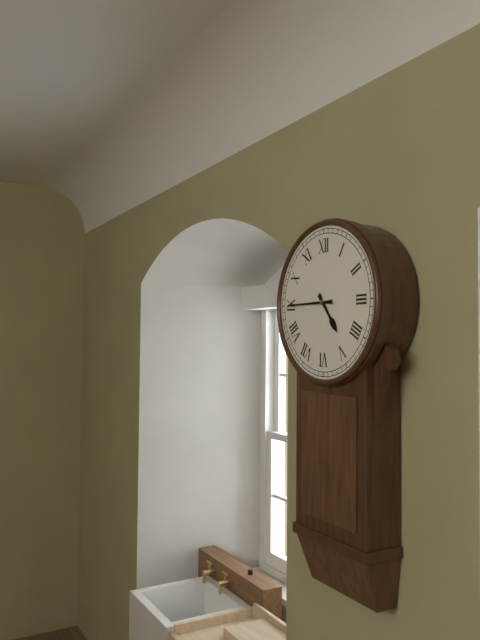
4:45
